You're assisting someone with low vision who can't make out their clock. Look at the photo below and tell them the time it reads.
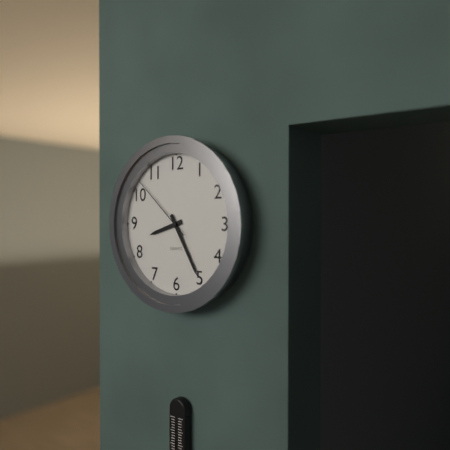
8:25:52
